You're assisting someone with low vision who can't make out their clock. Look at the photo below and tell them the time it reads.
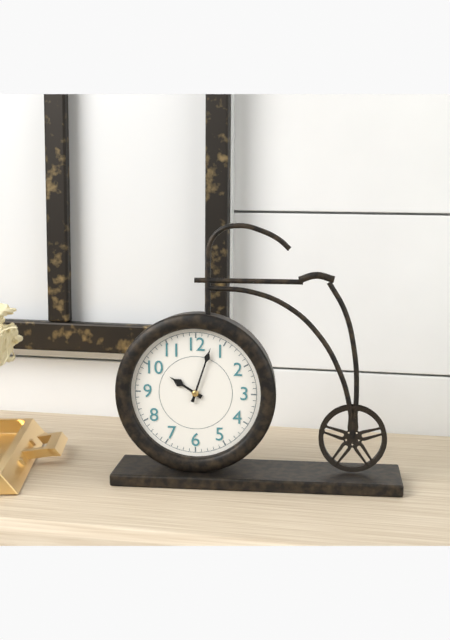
10:03
